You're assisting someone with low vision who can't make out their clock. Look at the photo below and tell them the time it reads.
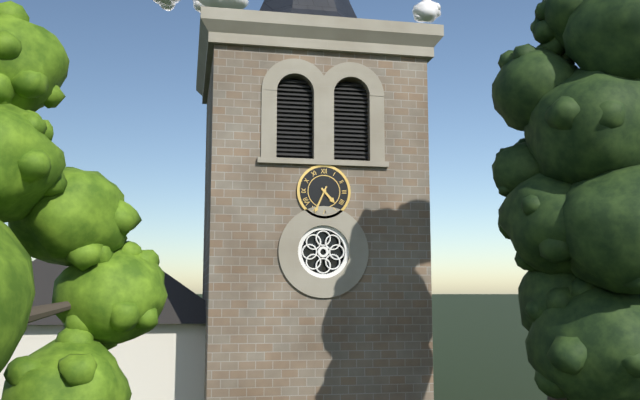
4:34
